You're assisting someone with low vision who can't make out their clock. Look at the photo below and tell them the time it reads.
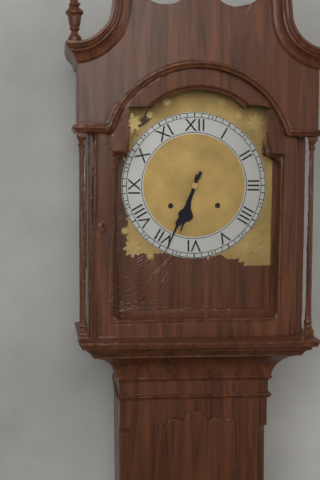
6:34
